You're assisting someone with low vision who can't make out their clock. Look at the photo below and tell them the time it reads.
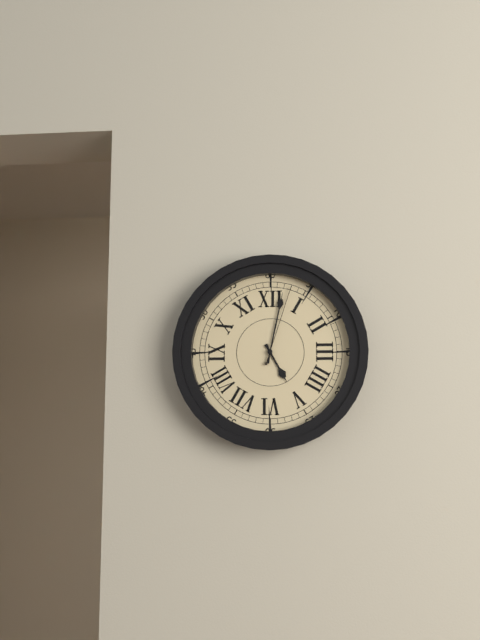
5:02:03
